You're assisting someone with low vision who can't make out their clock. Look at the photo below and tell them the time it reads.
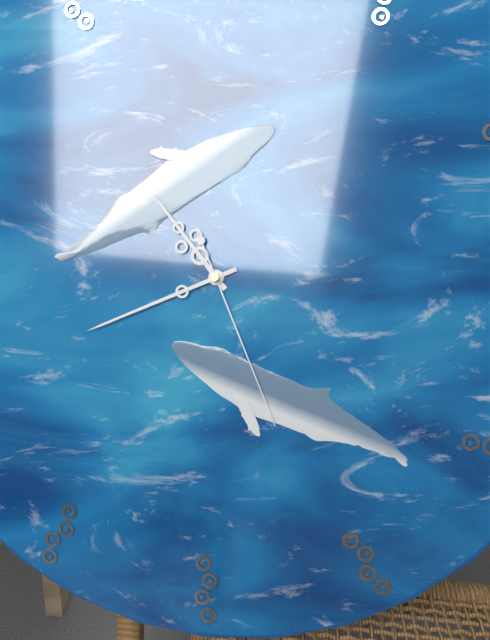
10:41:26
